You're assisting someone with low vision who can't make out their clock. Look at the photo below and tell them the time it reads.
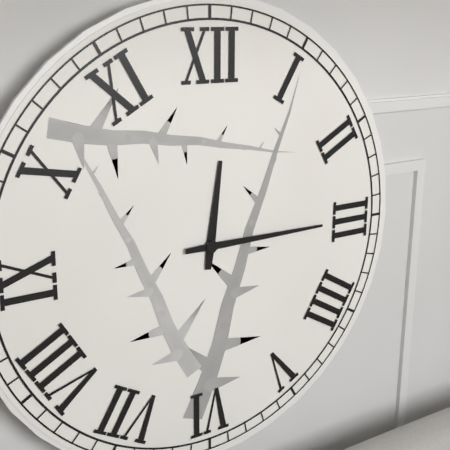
12:15
